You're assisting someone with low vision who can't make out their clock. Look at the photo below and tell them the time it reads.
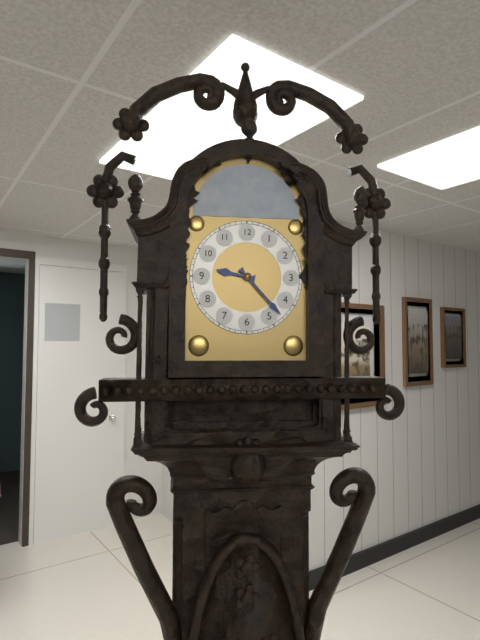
9:23
